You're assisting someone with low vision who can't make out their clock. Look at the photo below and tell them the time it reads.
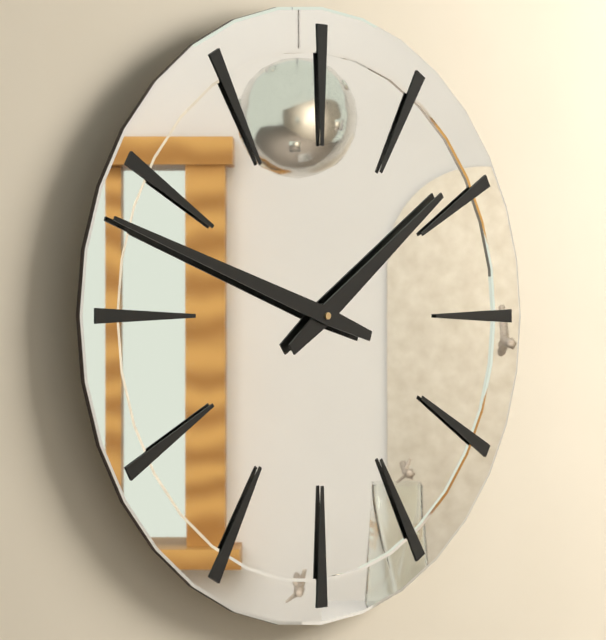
1:48
